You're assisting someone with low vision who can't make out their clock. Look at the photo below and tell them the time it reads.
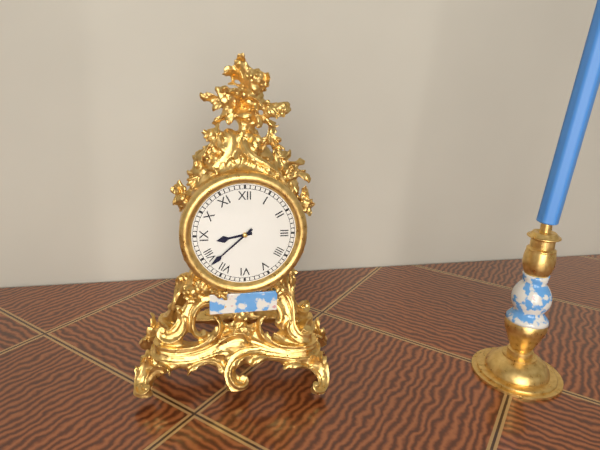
8:38
